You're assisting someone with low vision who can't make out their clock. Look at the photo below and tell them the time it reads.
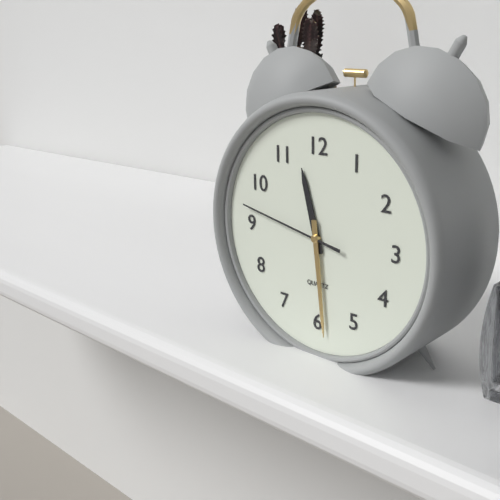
11:29:47
